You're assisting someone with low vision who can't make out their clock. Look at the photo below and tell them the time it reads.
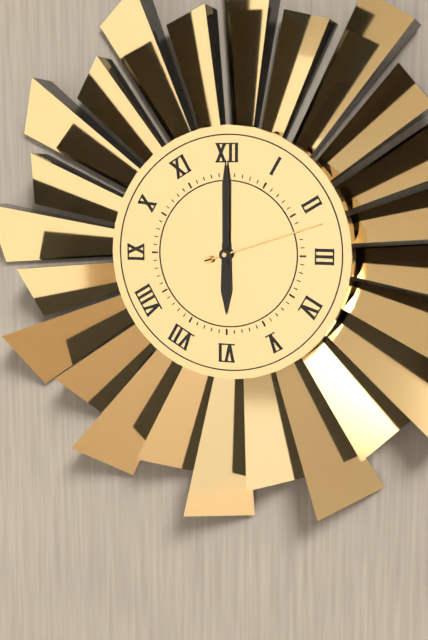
6:00:12
